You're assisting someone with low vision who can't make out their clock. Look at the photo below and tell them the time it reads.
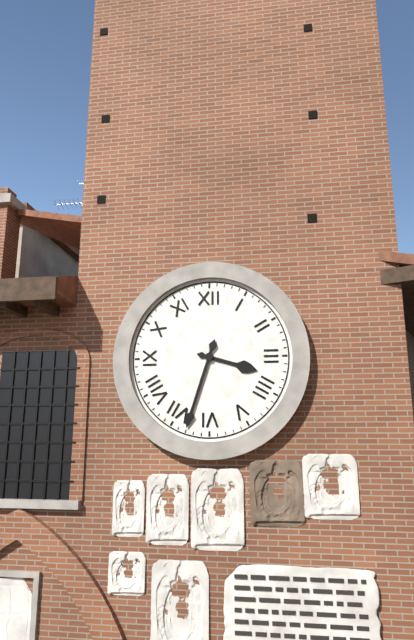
3:33
